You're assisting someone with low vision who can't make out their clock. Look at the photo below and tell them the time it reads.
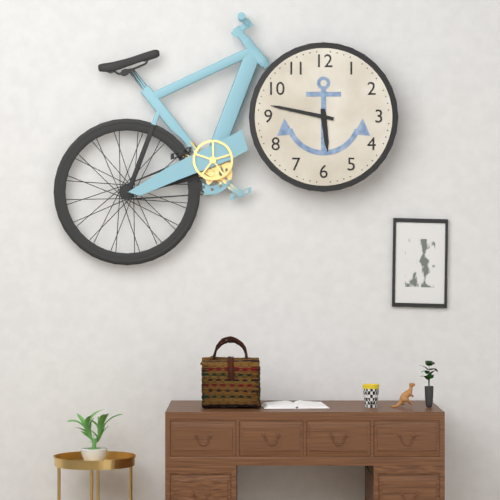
5:47
